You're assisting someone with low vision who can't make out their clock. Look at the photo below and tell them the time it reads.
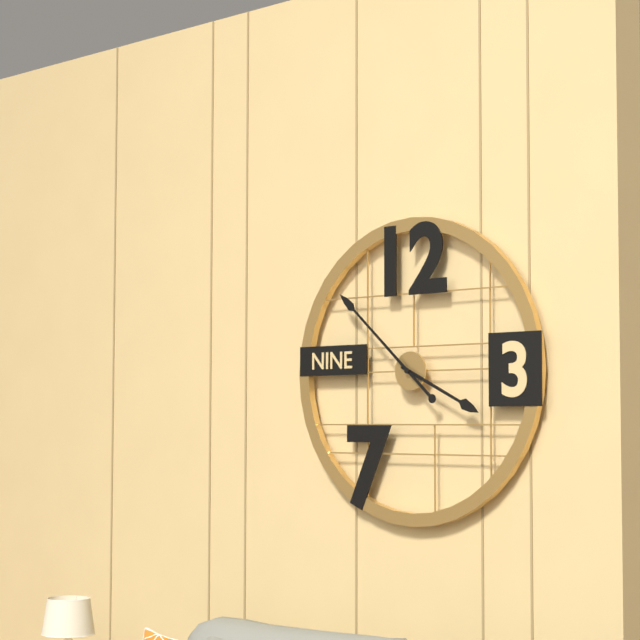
3:52
